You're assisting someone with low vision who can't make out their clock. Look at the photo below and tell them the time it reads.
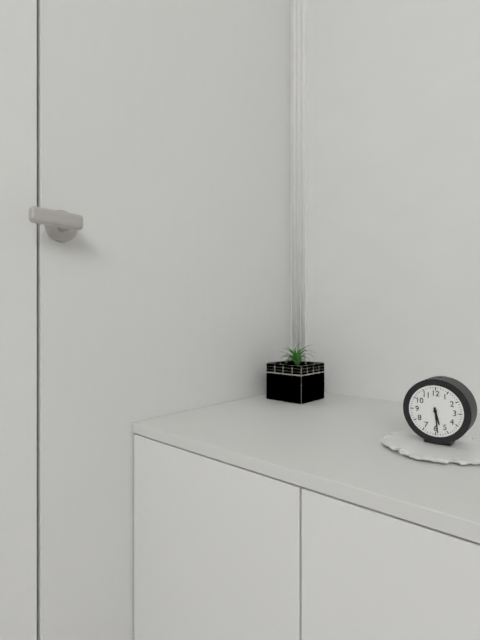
5:29
